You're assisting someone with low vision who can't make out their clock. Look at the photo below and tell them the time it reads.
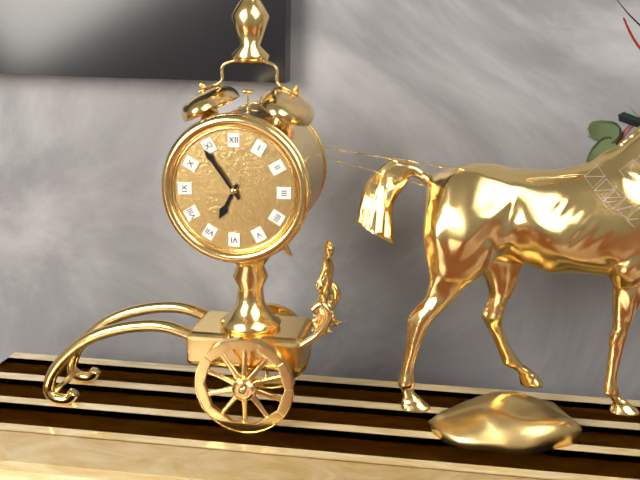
6:54
